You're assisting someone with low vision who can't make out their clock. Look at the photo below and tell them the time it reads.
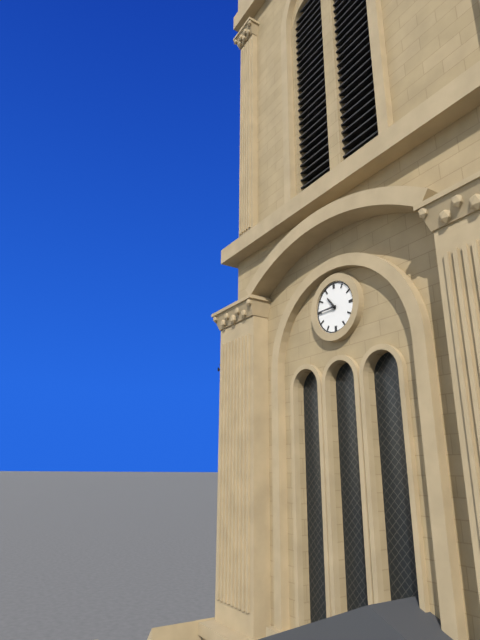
10:45
